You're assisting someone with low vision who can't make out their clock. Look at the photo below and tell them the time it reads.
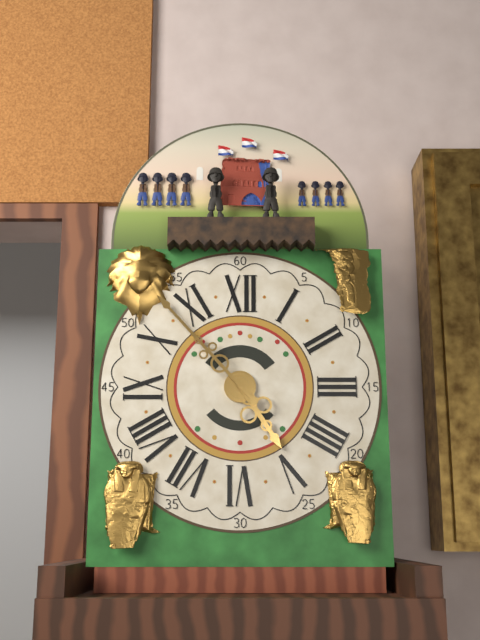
4:53
